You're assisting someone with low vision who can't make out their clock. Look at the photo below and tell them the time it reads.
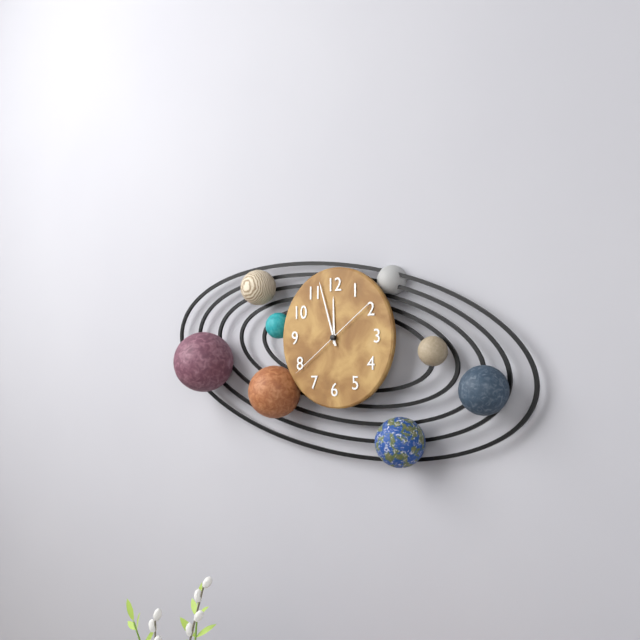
11:57:39
